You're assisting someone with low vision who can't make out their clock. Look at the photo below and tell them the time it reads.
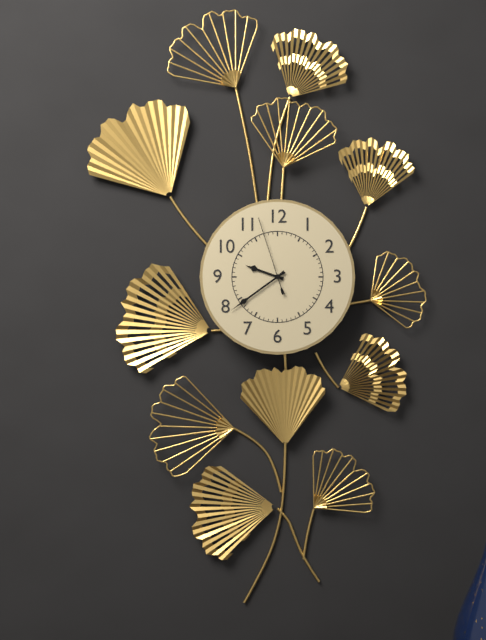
9:39:57
